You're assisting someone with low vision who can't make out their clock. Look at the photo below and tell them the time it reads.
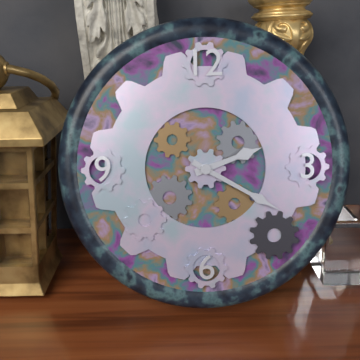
2:20
